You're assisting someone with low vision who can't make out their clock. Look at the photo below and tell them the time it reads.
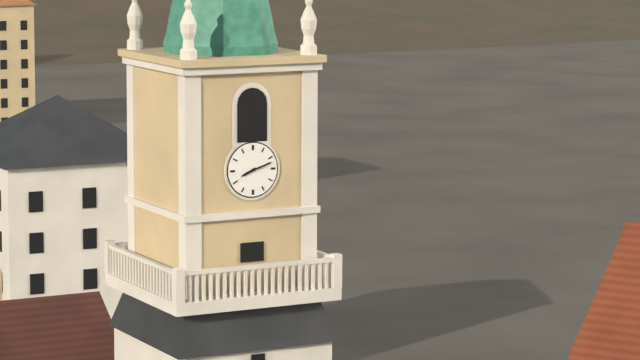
8:12
